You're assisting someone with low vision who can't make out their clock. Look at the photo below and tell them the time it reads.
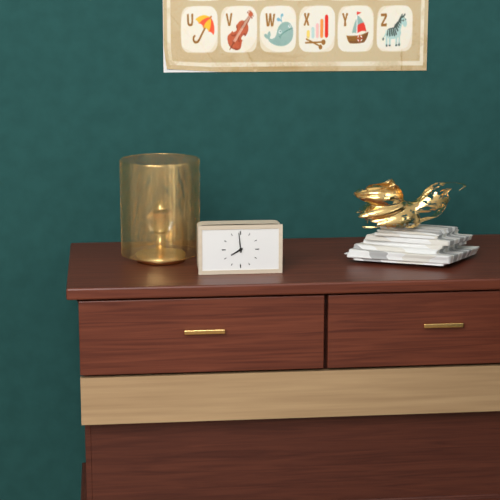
7:59
